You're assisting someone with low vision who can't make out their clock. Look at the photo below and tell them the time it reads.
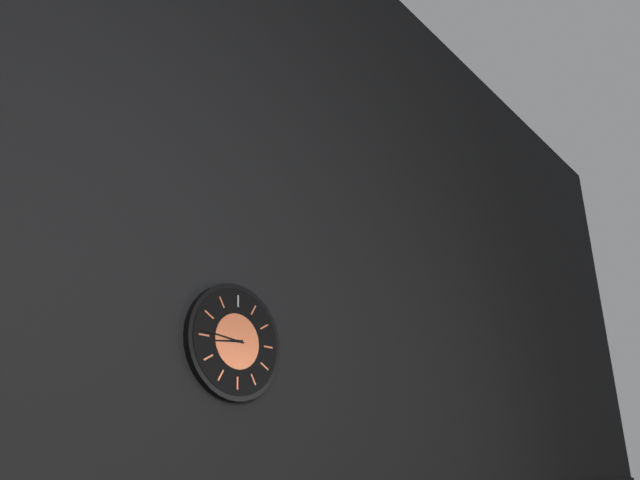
8:46
